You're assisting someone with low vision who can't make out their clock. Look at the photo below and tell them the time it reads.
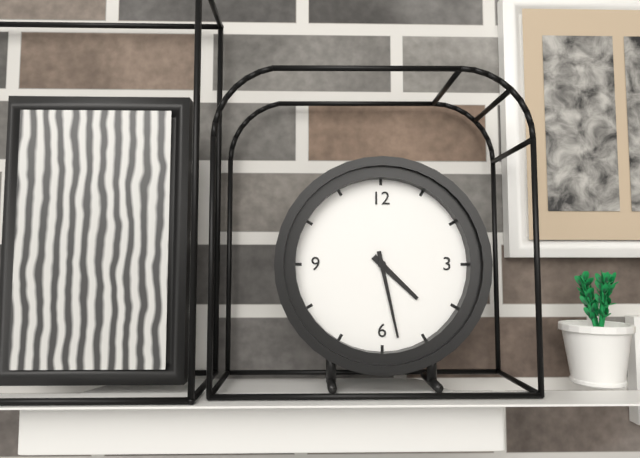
4:28
